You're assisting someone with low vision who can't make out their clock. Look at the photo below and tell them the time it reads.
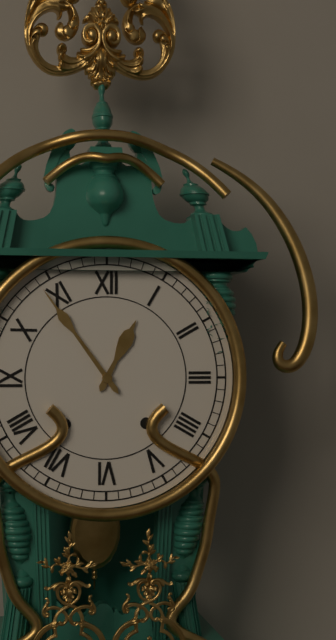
12:54
